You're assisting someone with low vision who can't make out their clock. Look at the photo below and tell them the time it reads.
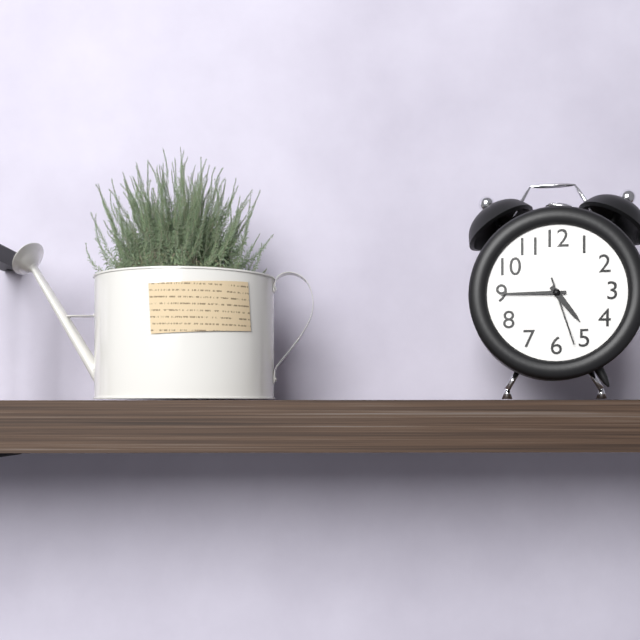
4:45:27
